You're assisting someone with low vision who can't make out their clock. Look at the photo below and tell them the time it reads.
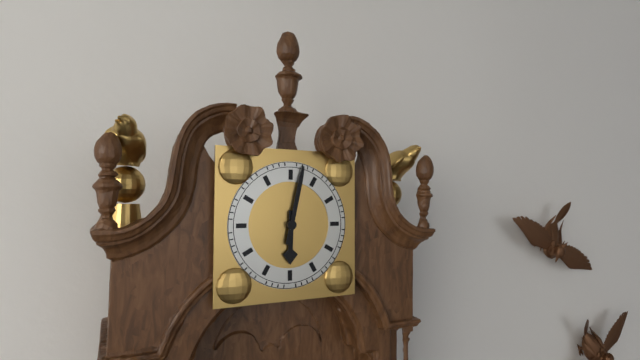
6:02
